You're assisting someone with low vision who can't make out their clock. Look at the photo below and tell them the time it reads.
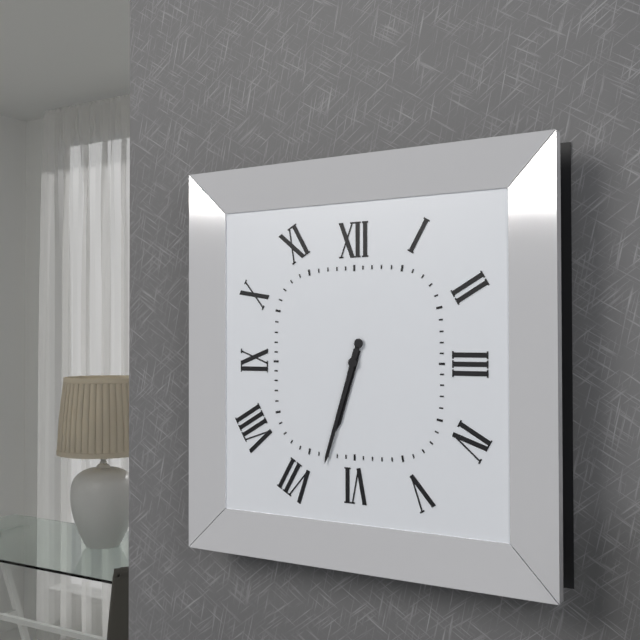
6:33
